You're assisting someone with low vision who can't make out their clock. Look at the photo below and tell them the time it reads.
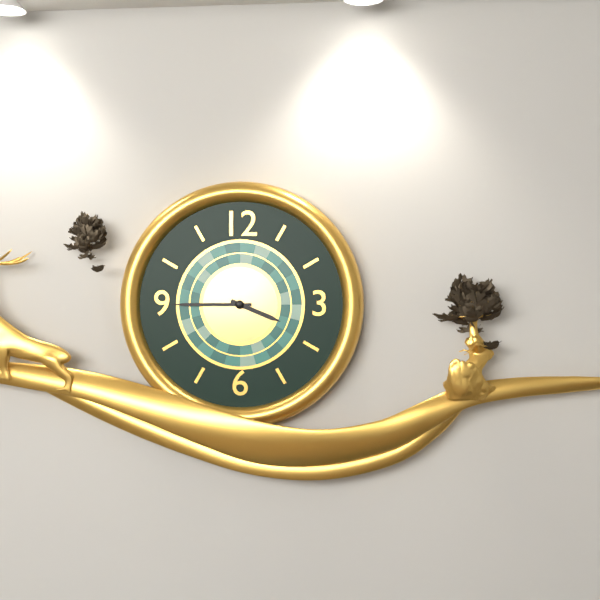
3:45
